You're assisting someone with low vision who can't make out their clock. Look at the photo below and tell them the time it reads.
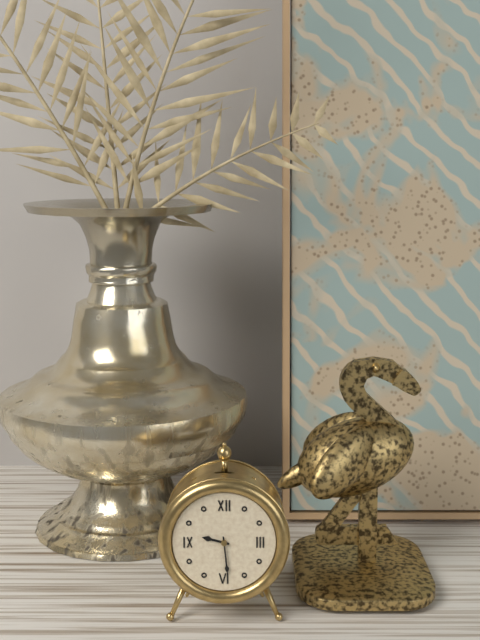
9:29
